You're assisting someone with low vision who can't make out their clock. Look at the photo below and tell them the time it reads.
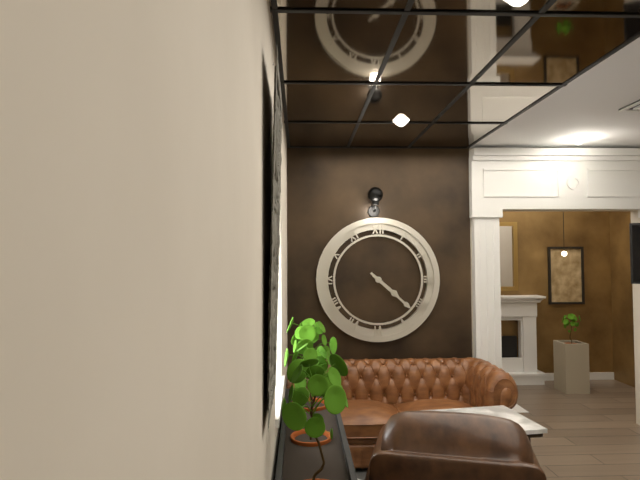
4:22
